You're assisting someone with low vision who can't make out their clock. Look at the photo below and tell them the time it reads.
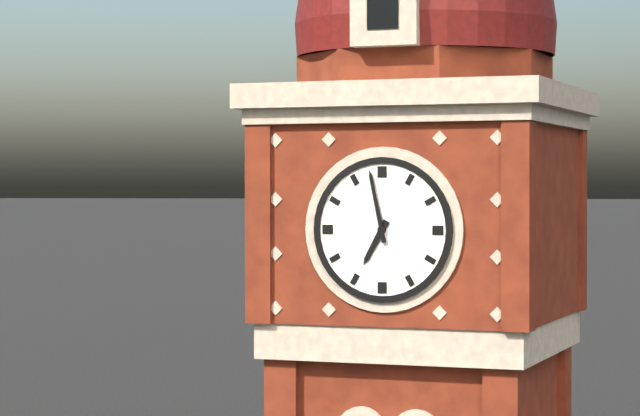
6:58
